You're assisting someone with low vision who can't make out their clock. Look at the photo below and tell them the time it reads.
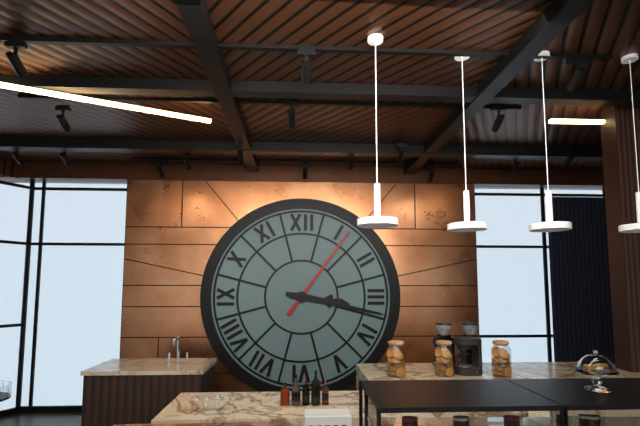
3:17:06
